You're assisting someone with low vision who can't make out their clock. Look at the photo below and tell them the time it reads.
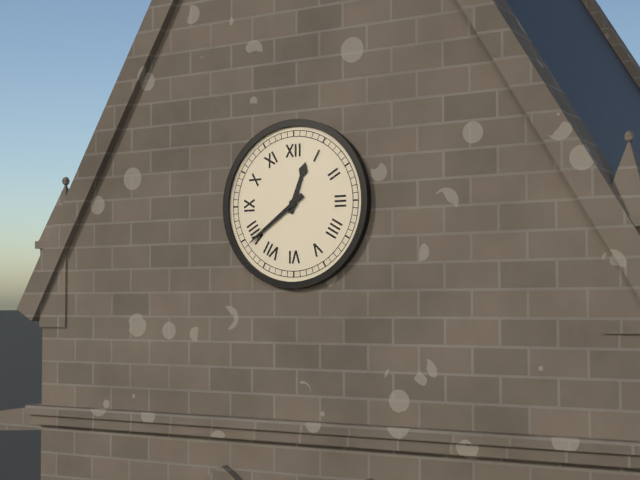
12:39
